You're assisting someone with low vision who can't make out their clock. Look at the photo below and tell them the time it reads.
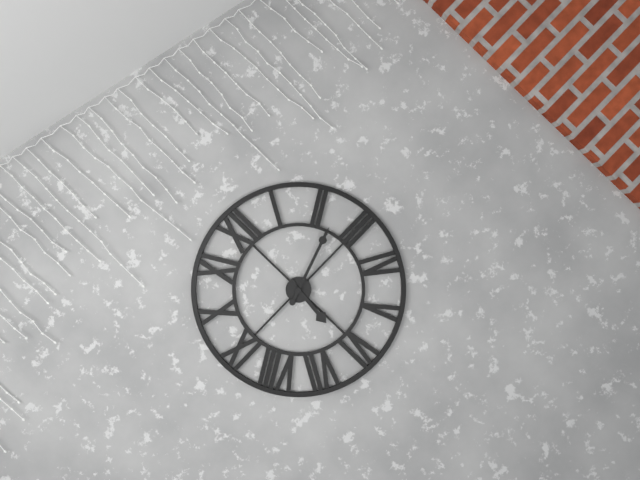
6:12
